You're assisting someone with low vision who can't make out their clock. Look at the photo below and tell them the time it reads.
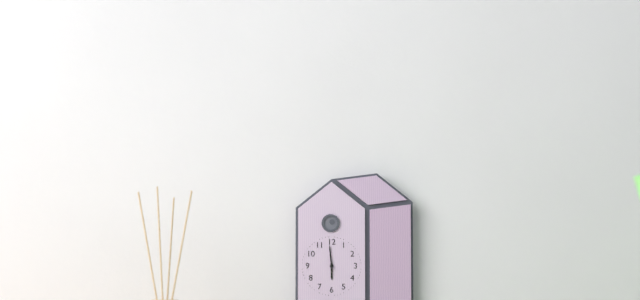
5:59
